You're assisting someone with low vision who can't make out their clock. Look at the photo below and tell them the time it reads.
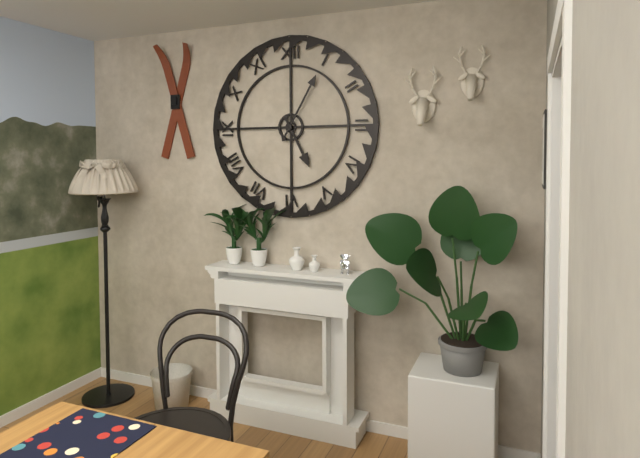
5:05
